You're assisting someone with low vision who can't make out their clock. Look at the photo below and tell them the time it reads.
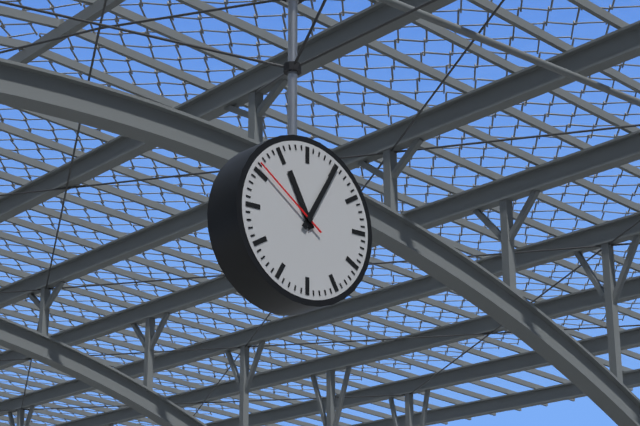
11:05:51
